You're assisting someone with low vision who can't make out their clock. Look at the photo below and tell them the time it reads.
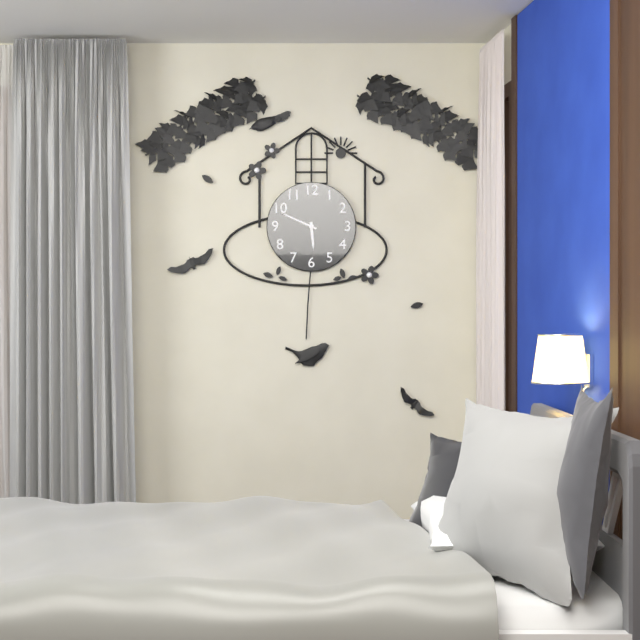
5:49
